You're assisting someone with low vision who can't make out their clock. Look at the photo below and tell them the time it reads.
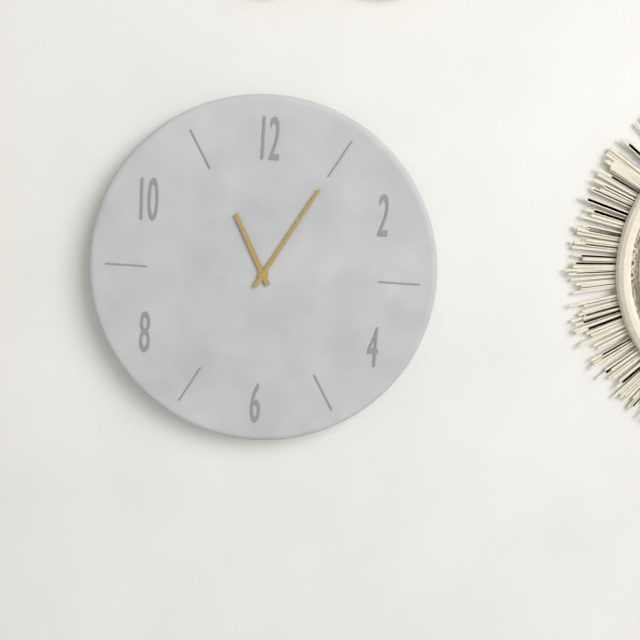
11:05
